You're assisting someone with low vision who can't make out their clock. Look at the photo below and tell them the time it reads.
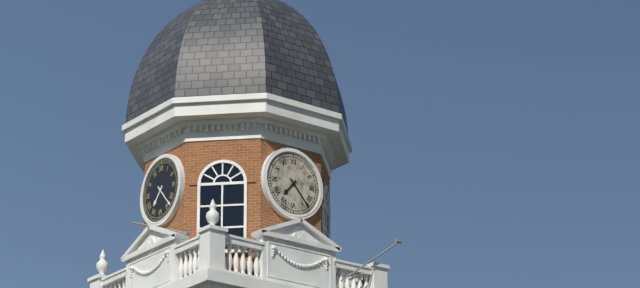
7:23
